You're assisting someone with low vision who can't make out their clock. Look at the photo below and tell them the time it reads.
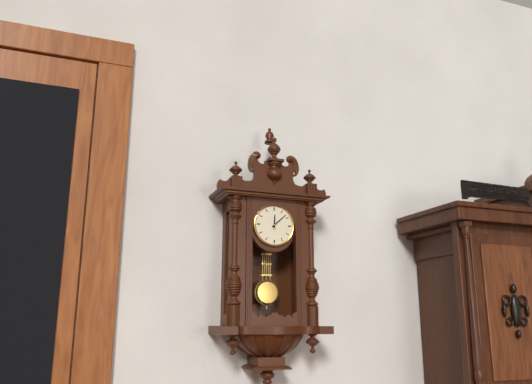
12:08
